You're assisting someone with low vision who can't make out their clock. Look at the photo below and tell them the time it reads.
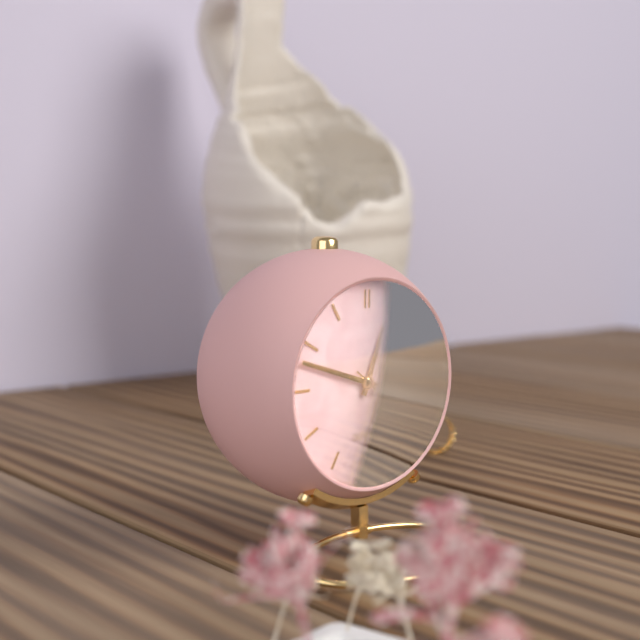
12:48:21
